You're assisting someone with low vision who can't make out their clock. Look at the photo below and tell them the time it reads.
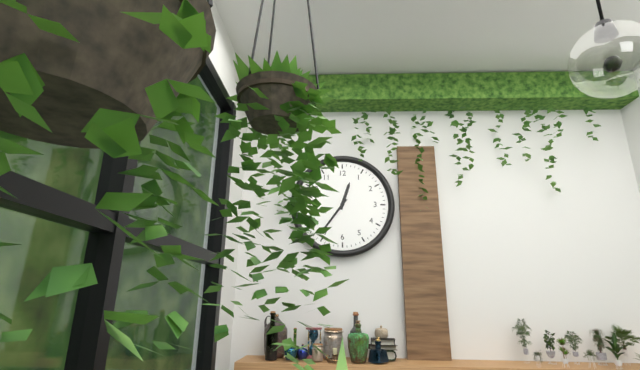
12:36
